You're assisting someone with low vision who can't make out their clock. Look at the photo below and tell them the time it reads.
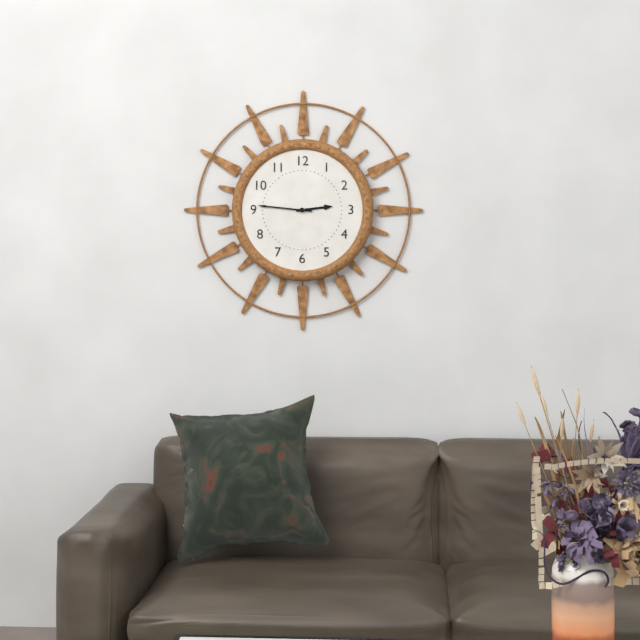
2:46
